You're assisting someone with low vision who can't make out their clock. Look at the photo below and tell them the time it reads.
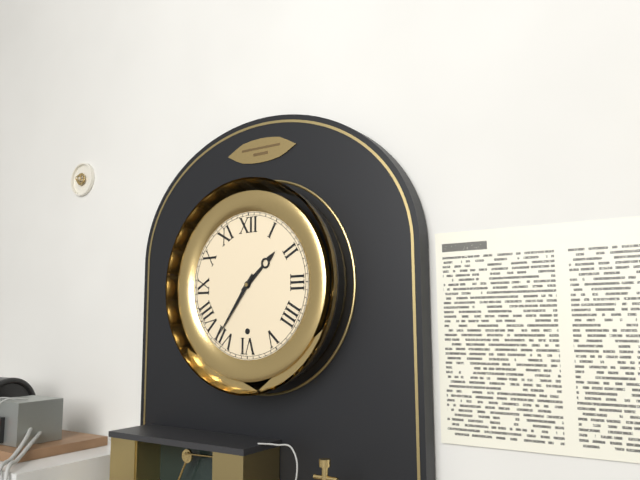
1:36
